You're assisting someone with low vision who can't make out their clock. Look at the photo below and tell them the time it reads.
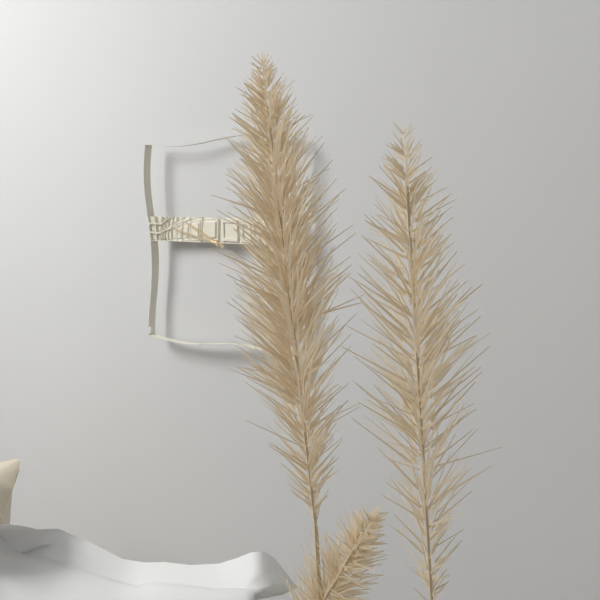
9:47
